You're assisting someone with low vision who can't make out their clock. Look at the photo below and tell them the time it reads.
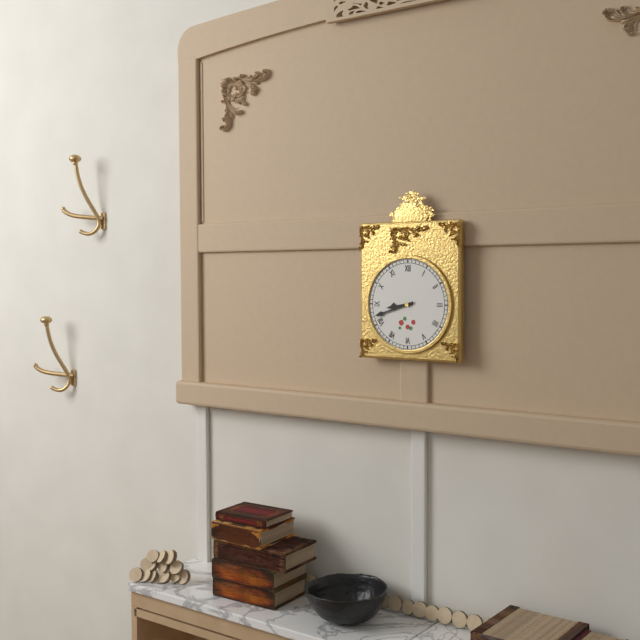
8:42
